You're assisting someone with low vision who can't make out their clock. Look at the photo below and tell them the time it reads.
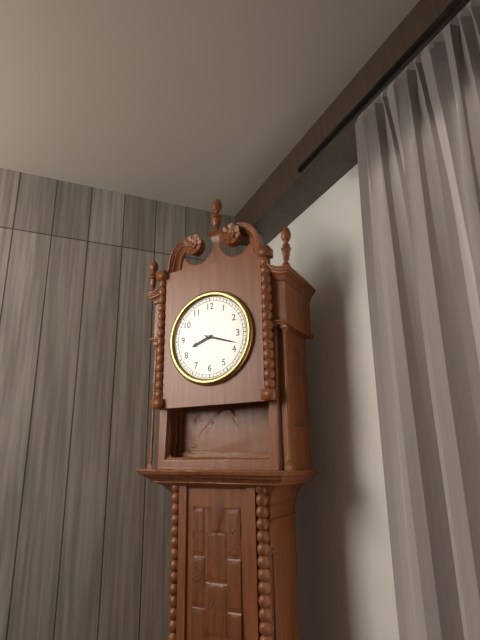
8:18
